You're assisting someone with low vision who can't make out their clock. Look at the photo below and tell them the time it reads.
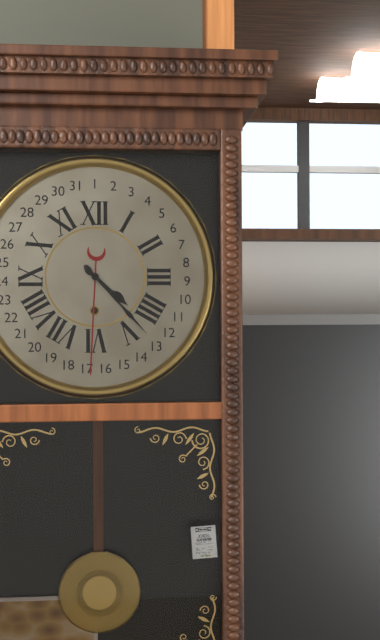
4:23
